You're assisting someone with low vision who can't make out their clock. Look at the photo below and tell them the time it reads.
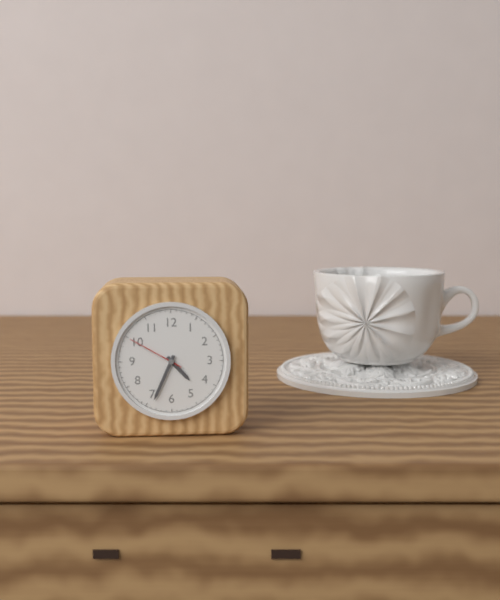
4:34:50
